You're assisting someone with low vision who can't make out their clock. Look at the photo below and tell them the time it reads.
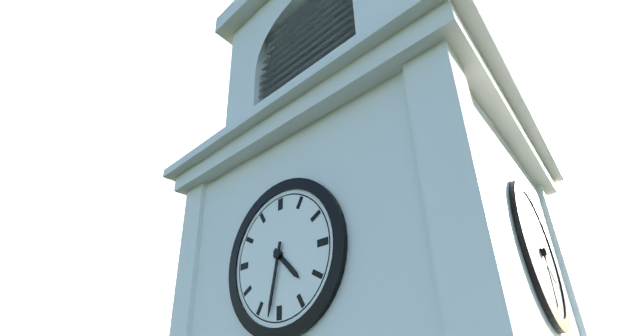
4:32
